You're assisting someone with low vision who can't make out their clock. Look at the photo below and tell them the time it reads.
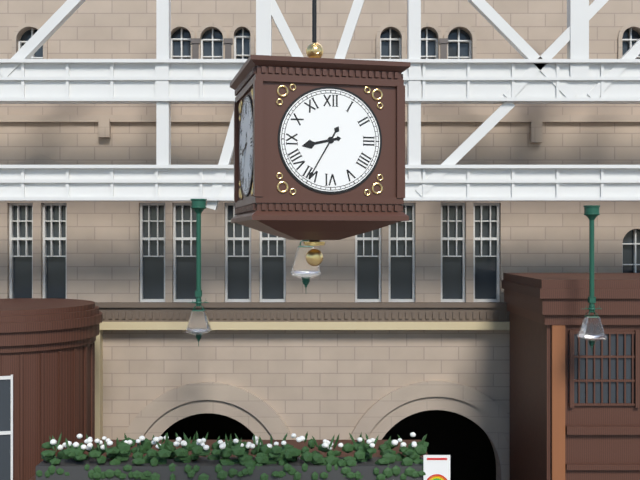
8:35
